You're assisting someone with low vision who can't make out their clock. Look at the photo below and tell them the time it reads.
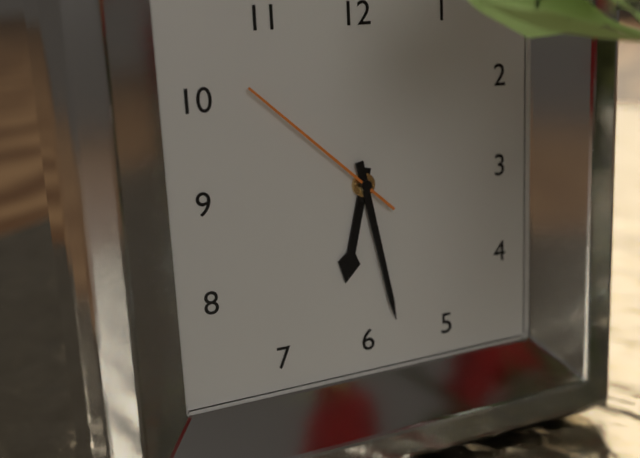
6:28:52
